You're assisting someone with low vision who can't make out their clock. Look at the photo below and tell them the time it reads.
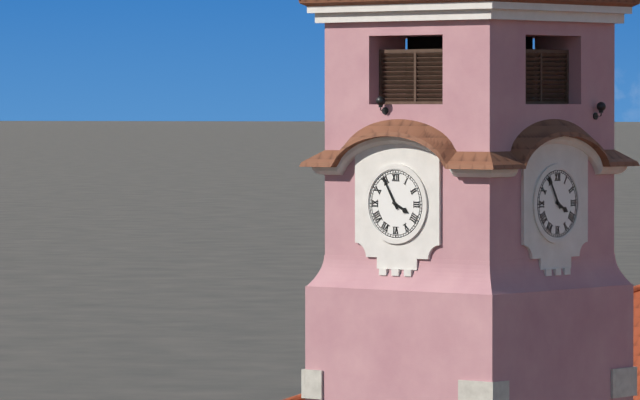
3:55
